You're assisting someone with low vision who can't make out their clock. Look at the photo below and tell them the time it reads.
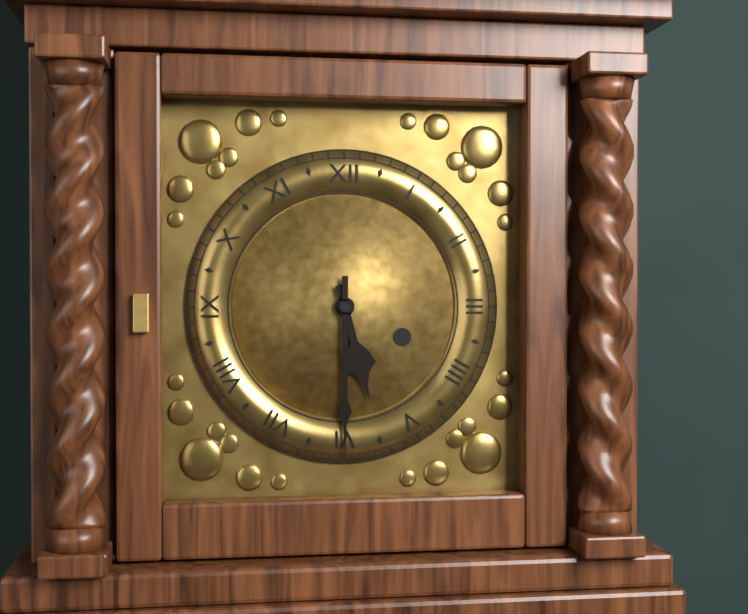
5:30
